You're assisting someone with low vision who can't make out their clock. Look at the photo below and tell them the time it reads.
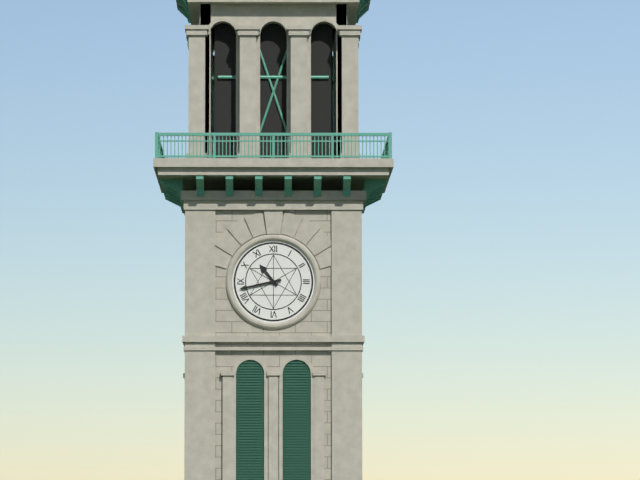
10:43
